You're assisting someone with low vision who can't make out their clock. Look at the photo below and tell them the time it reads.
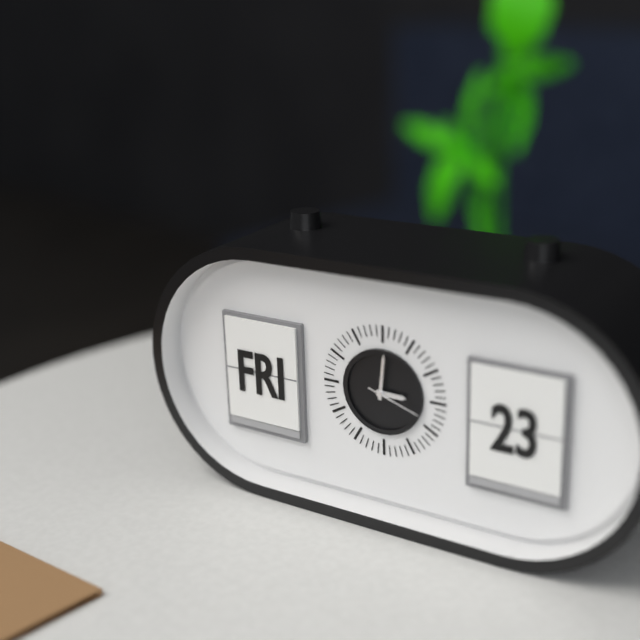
3:01:18
